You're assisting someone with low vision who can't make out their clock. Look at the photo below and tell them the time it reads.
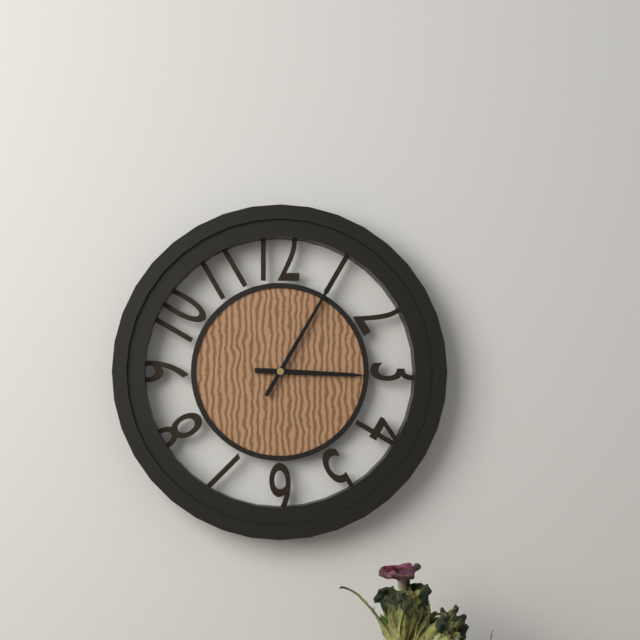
3:05
